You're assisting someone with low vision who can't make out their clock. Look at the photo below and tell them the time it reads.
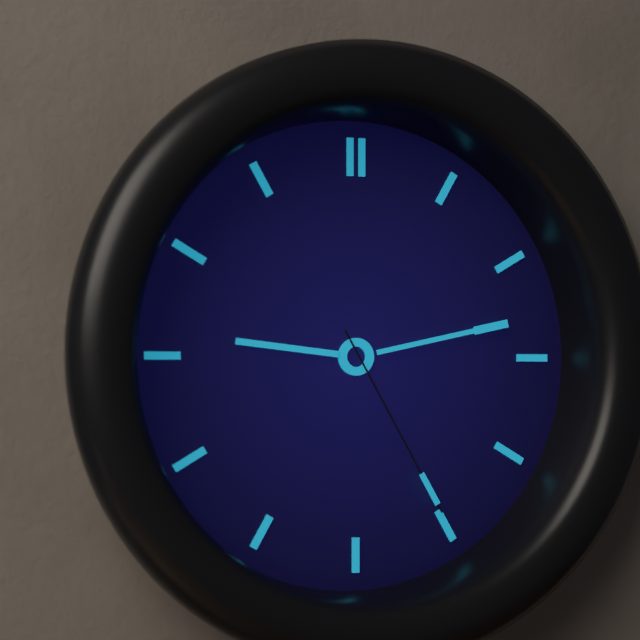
9:13:25
